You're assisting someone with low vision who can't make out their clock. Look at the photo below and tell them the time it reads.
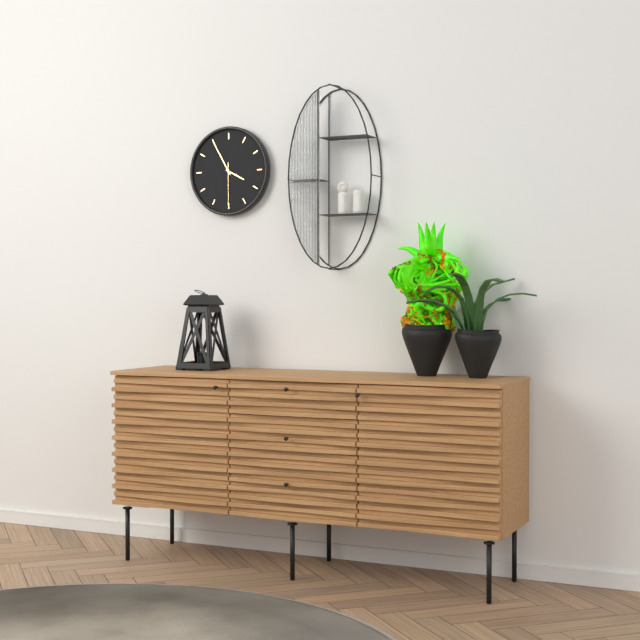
3:55
